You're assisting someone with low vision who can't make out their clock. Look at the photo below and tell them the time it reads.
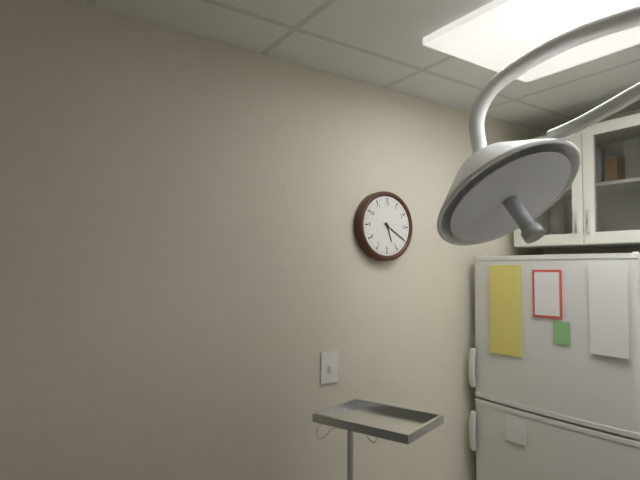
5:20
